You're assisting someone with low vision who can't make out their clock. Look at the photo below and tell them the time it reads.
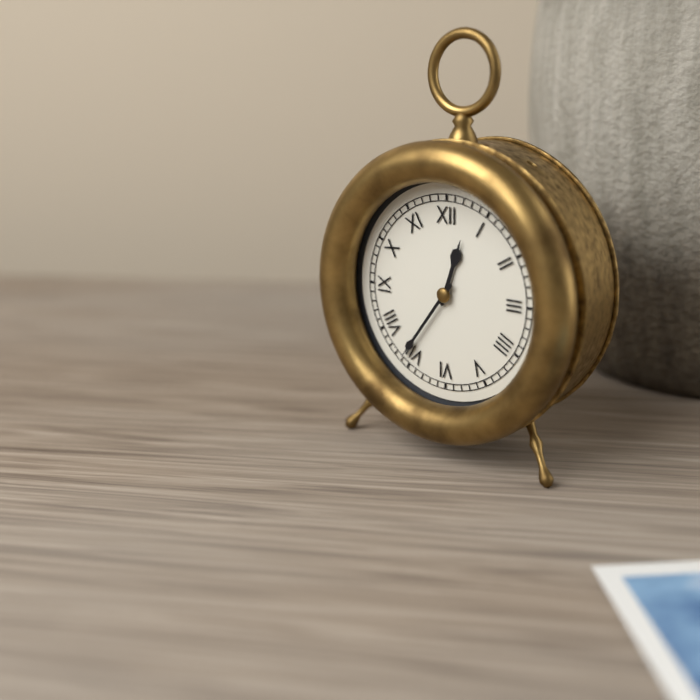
12:36
